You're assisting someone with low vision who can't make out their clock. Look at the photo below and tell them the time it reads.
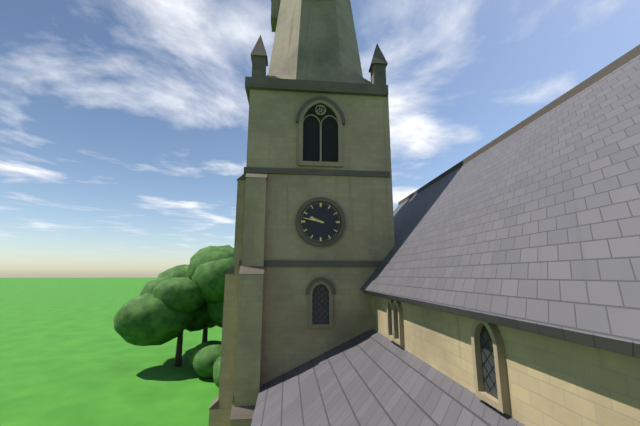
9:47
